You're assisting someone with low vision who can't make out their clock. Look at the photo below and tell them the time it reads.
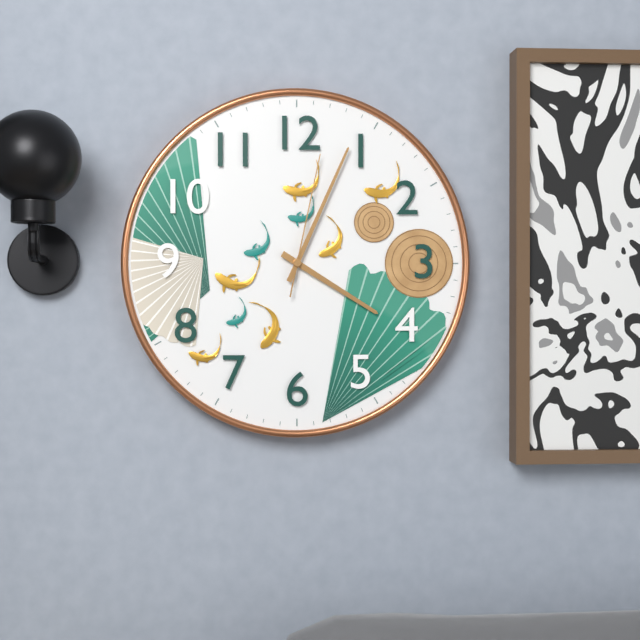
4:04:02
